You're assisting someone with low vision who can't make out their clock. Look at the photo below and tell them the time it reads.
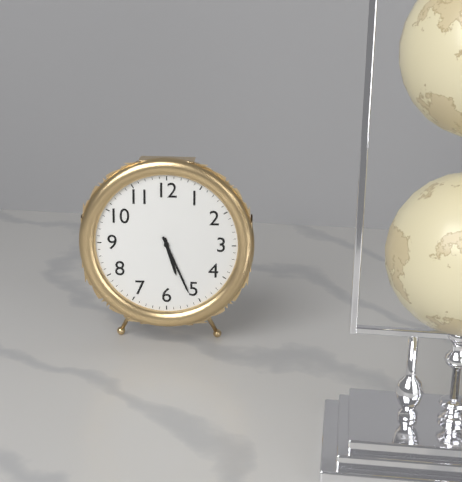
5:26
